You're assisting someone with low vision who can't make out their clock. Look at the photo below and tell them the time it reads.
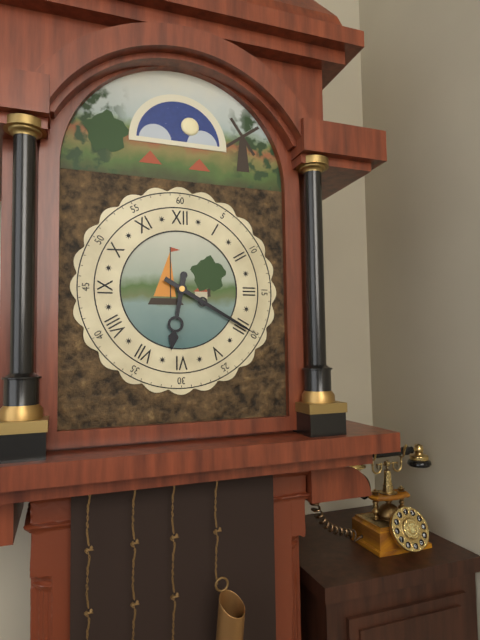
6:20
